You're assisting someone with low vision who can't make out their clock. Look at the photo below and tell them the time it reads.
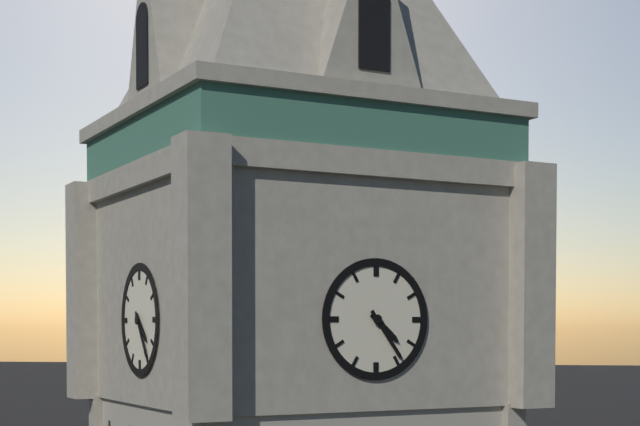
4:24
